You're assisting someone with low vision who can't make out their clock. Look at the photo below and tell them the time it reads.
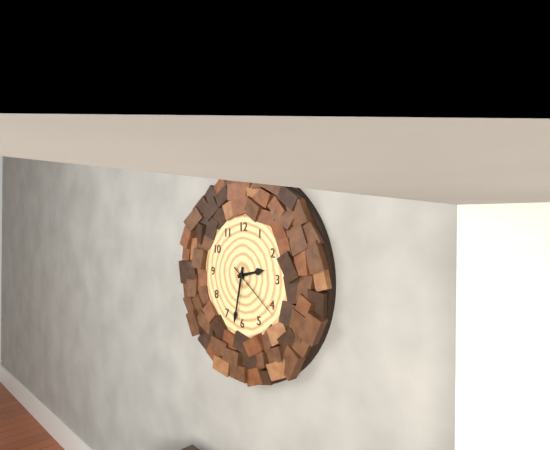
2:32:21
